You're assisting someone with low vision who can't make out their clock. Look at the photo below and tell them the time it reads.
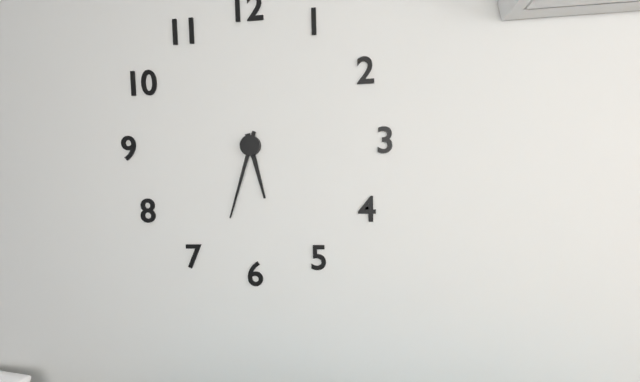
5:33
